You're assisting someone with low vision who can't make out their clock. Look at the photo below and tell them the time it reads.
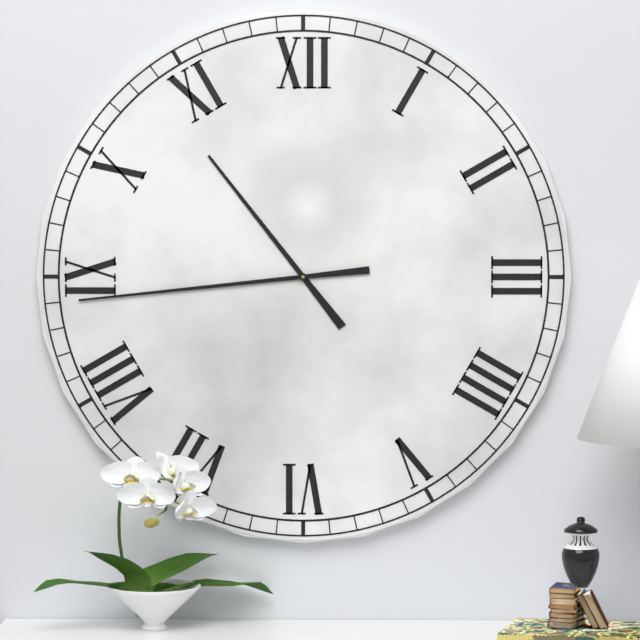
10:44
